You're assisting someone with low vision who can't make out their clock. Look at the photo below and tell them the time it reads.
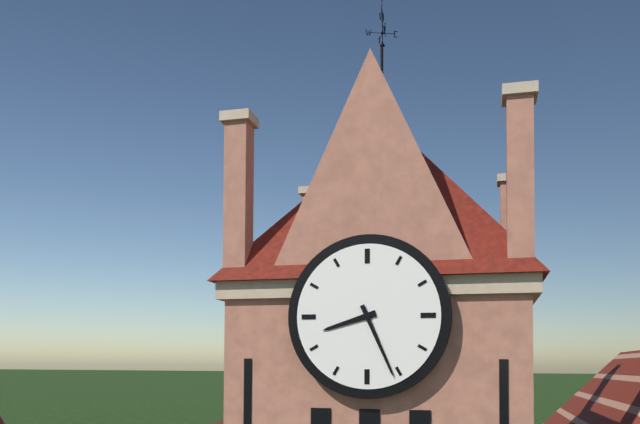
8:26
